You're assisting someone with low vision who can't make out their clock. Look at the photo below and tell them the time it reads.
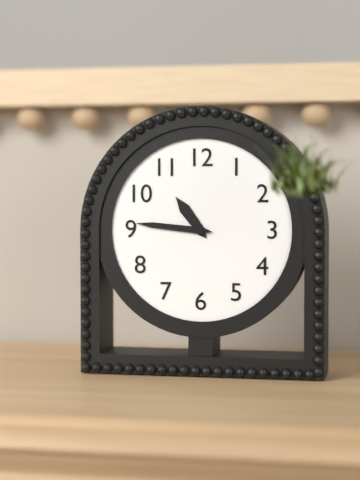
10:46
